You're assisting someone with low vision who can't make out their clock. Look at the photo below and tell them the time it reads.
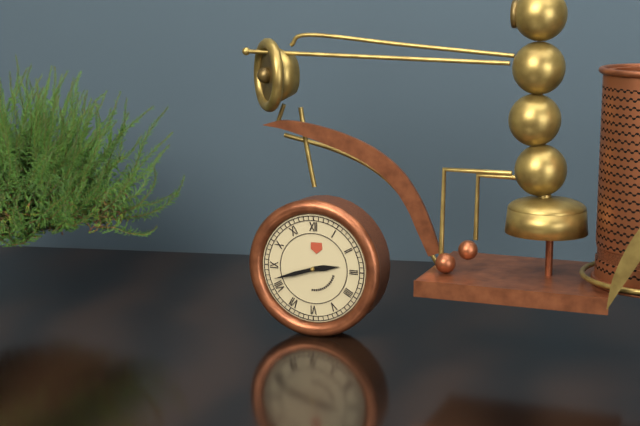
2:42
